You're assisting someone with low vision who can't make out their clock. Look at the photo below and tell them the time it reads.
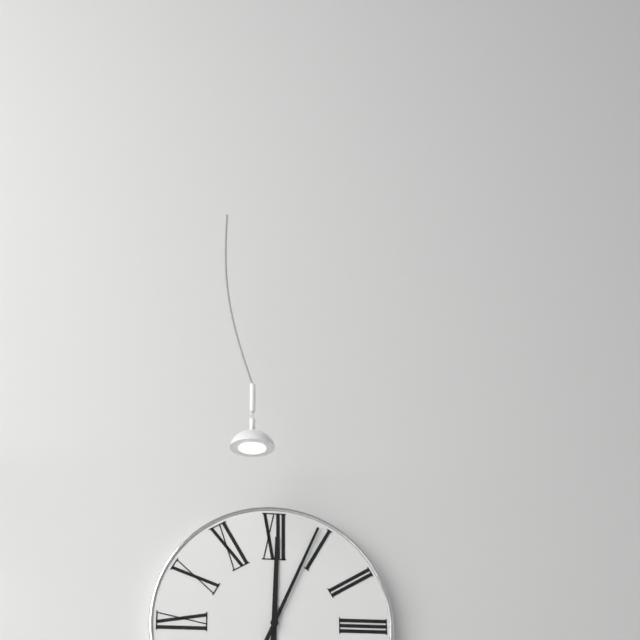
12:04
